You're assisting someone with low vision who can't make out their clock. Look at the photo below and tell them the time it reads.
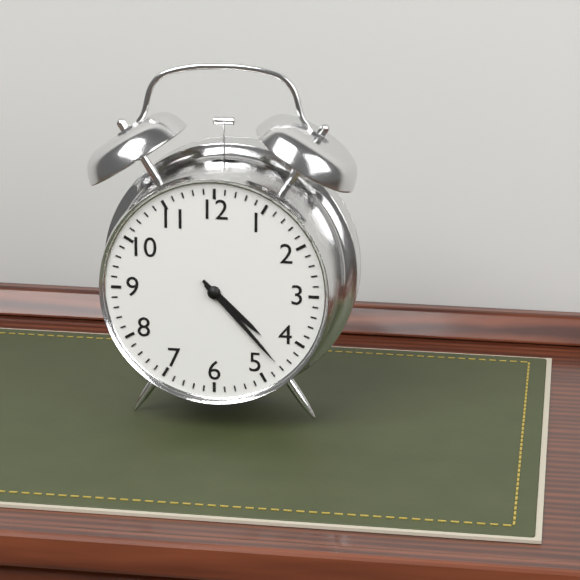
4:23
